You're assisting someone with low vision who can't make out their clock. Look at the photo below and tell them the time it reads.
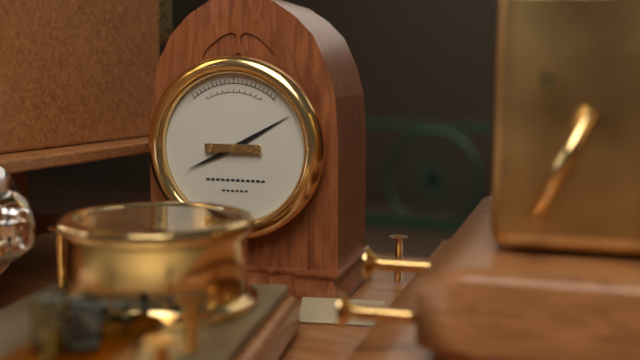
8:10
